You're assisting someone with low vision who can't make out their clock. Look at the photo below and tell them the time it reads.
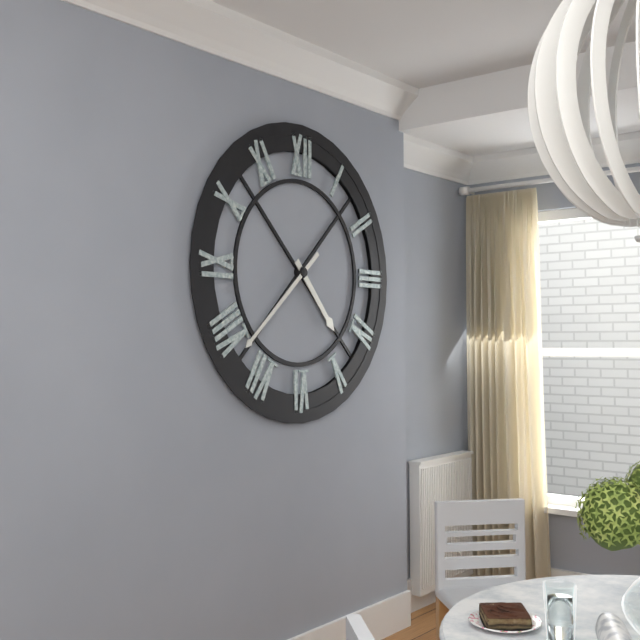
4:38
